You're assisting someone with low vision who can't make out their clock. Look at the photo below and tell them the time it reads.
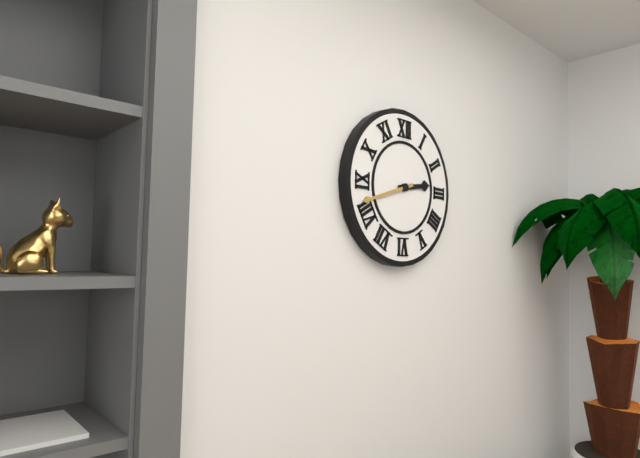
2:42
